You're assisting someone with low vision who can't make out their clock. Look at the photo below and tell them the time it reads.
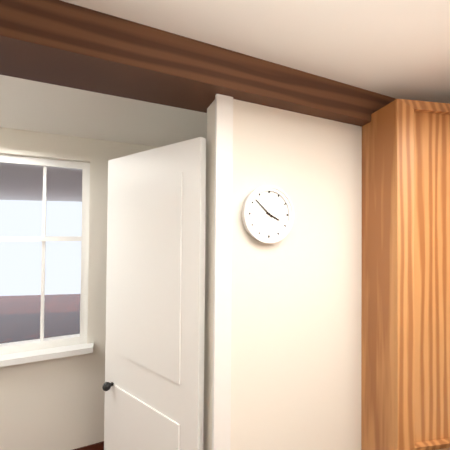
3:52
